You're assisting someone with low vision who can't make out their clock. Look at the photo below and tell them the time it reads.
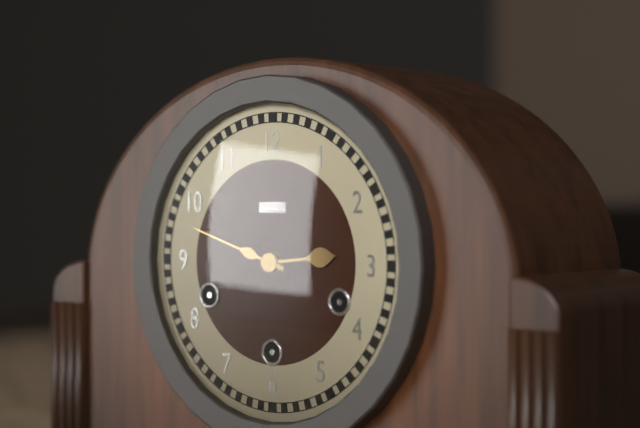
2:48
